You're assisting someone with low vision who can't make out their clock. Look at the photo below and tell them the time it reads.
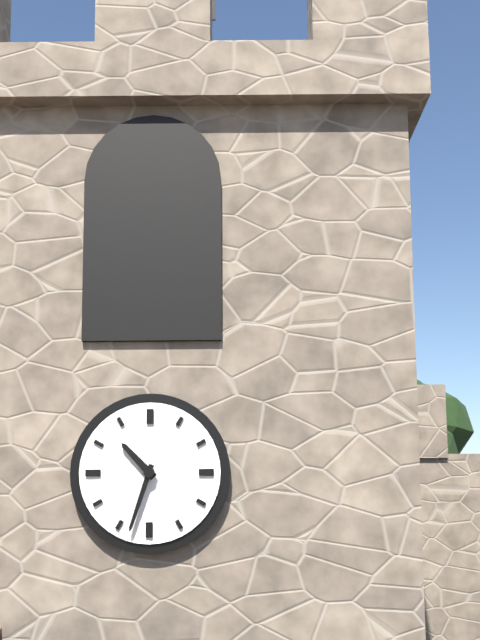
10:33
